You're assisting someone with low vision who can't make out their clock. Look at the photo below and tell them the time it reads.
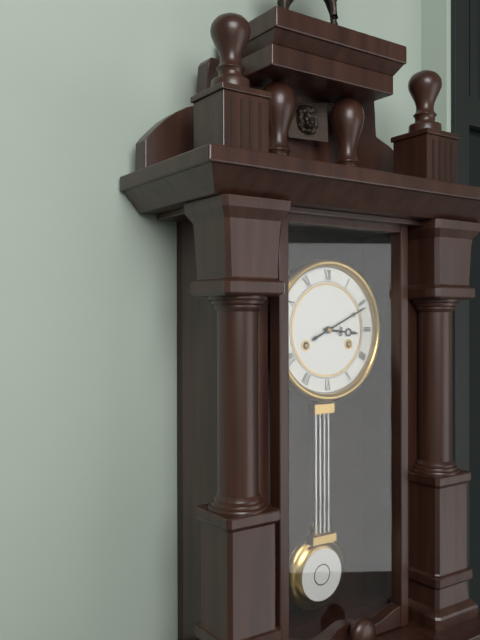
3:11
